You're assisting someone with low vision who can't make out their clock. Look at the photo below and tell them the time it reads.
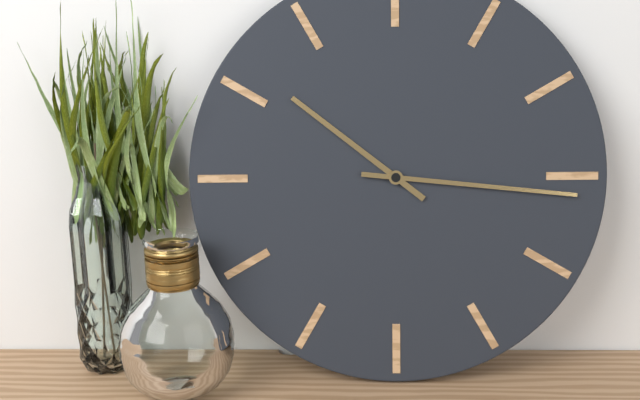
10:16
